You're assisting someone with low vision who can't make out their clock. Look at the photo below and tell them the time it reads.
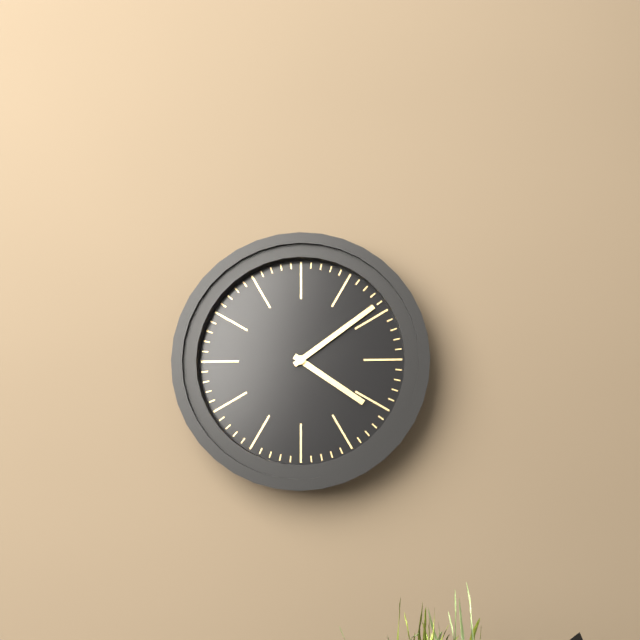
4:09
